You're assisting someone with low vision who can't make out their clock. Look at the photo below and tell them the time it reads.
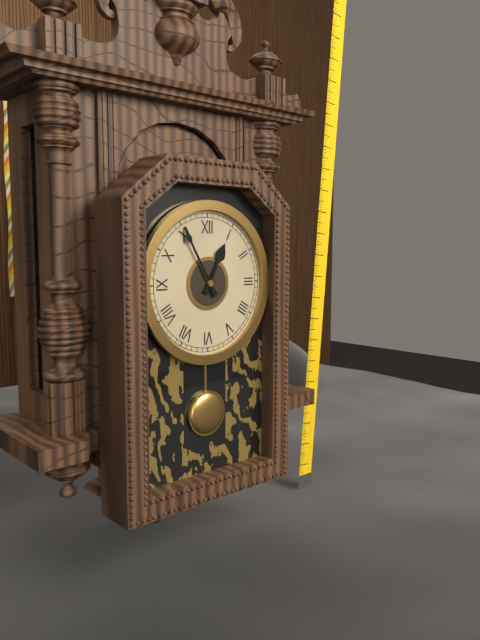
12:55
